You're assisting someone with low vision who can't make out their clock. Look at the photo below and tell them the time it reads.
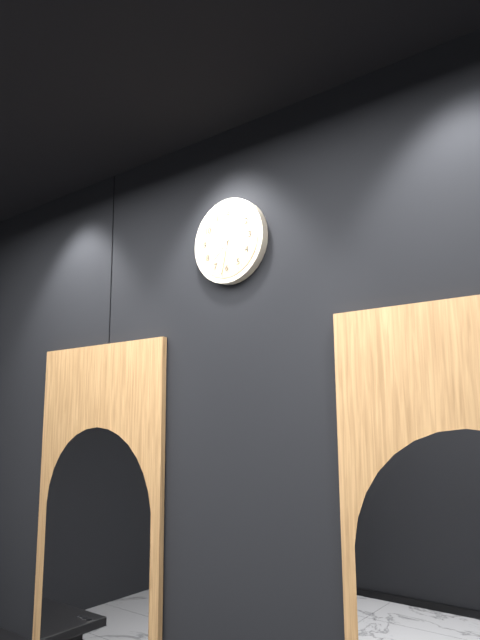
7:32
